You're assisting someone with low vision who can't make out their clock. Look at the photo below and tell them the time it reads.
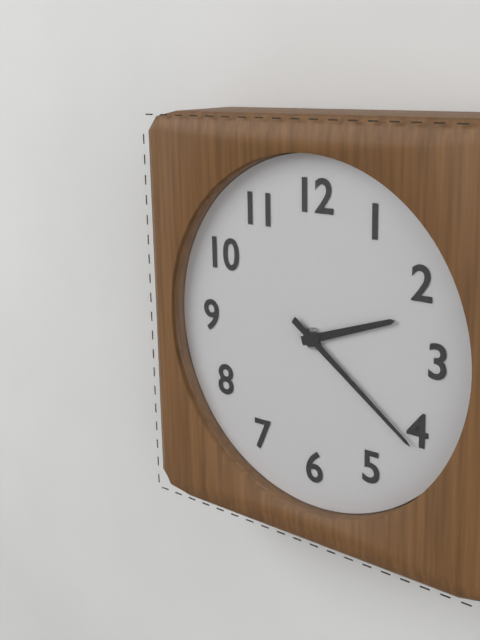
2:21
